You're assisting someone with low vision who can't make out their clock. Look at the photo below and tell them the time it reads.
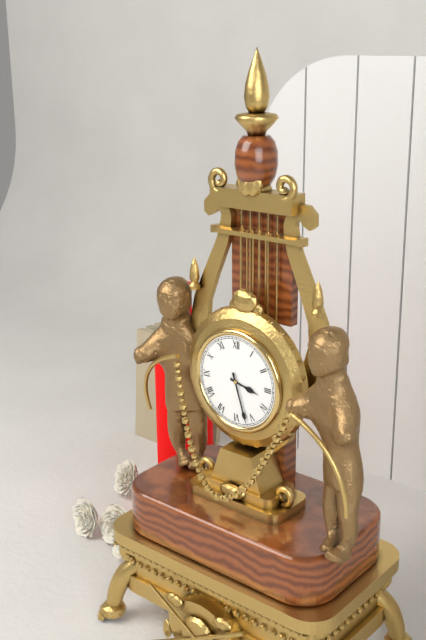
3:27
